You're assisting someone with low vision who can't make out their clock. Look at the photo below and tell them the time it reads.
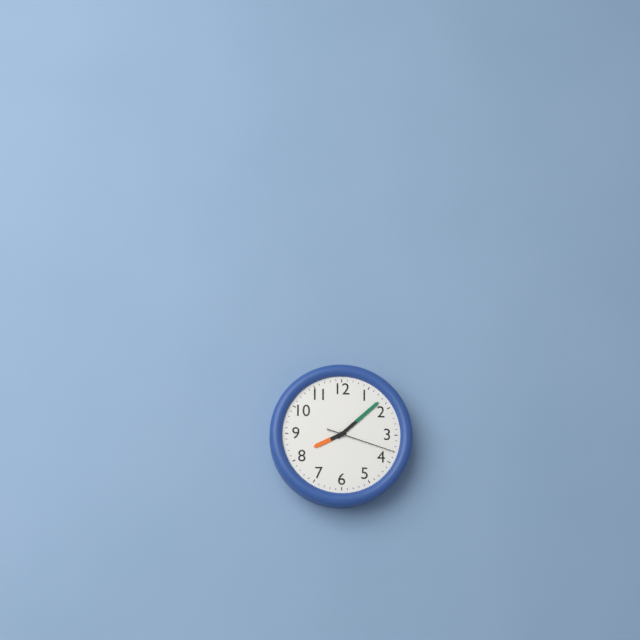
8:08:18
